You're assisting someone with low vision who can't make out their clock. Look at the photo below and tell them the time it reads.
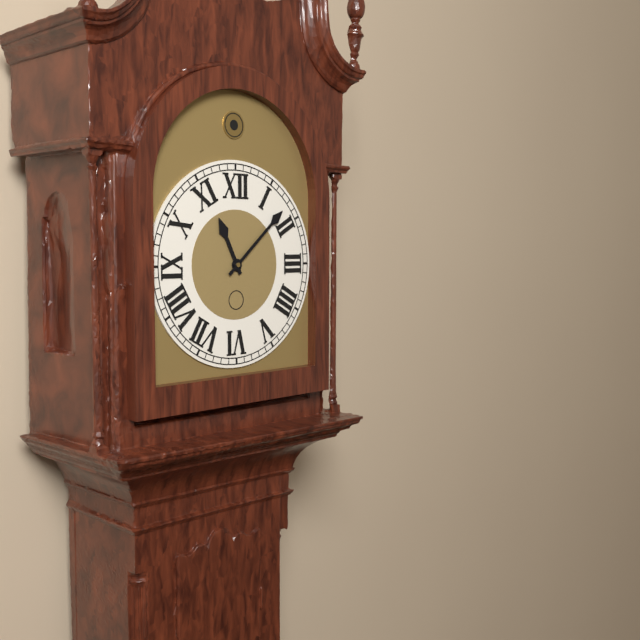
11:08
